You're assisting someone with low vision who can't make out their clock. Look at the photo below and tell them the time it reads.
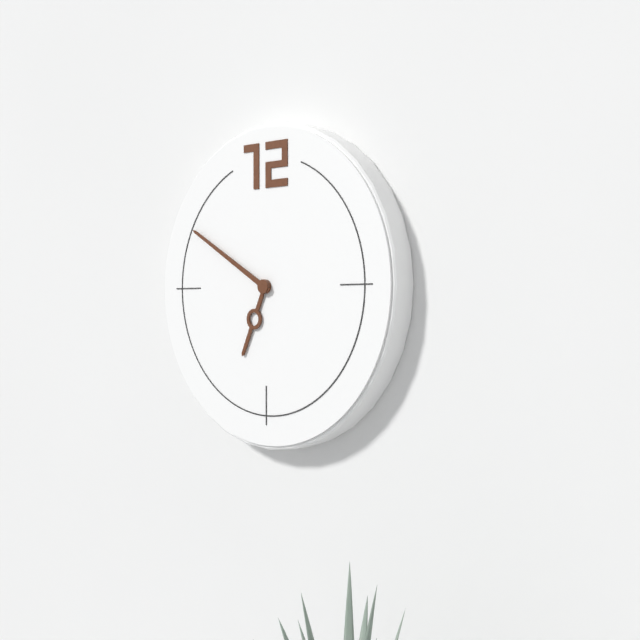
6:50
